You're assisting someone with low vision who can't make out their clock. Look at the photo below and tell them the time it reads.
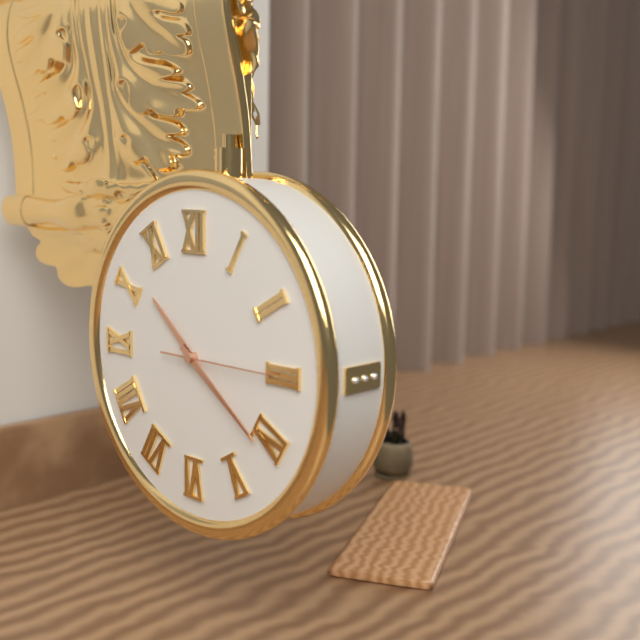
10:21:15
